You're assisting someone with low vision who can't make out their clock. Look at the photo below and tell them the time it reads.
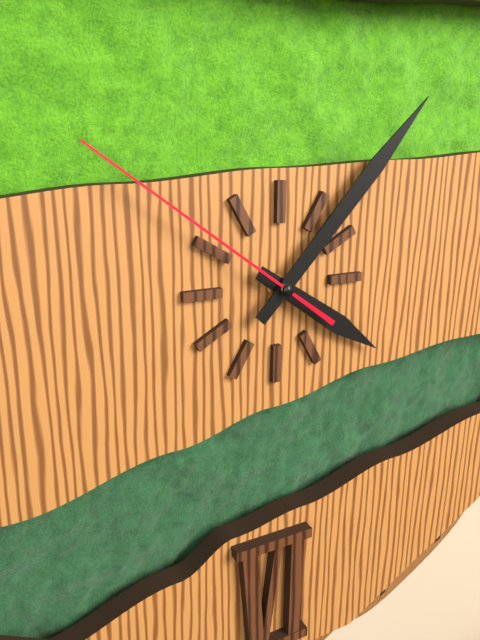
4:07:51
